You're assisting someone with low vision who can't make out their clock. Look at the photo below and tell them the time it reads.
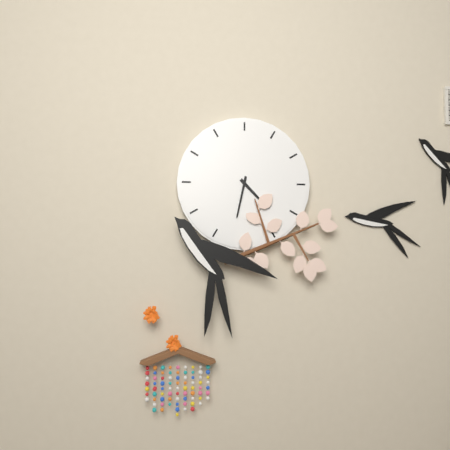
4:32
